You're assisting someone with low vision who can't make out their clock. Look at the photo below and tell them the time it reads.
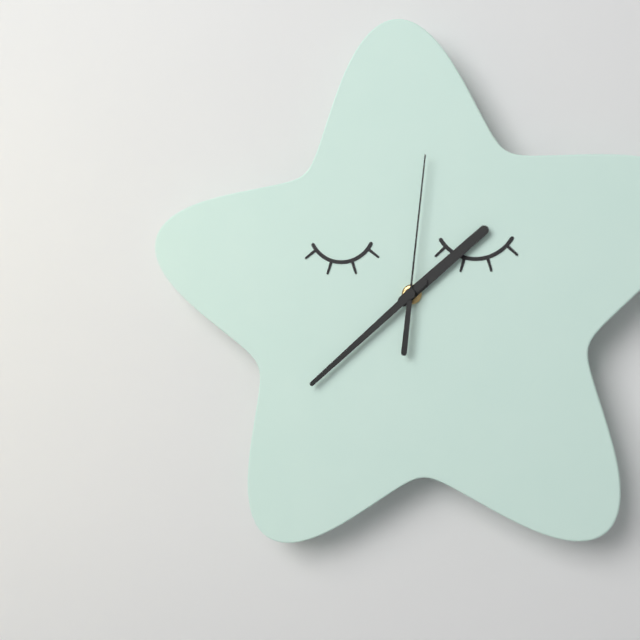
1:38:01
